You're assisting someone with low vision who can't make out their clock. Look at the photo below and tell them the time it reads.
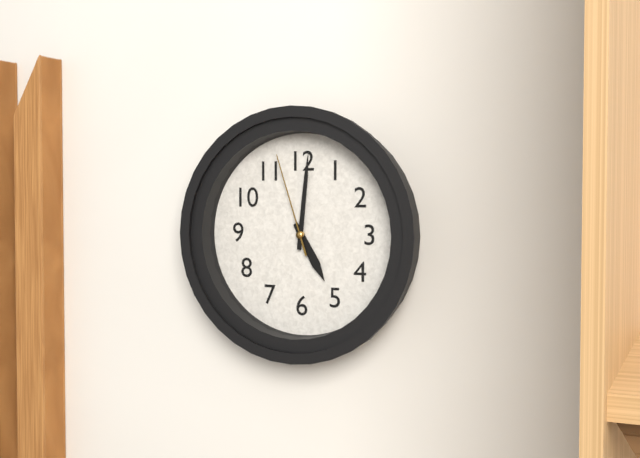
5:01:57
